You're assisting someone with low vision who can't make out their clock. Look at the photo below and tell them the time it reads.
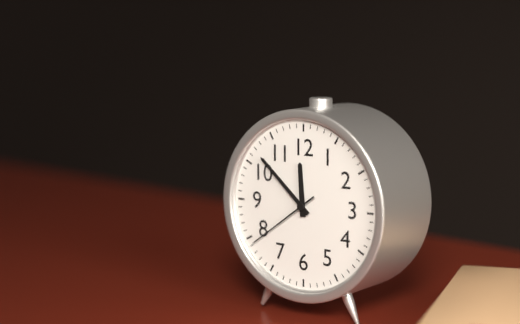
11:52:39
